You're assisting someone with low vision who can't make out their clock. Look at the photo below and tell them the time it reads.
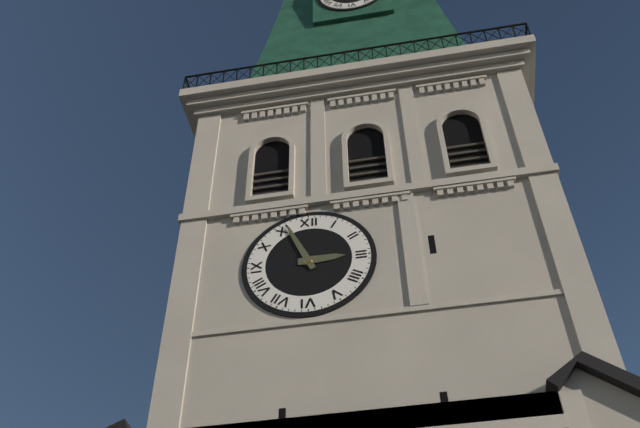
2:56
